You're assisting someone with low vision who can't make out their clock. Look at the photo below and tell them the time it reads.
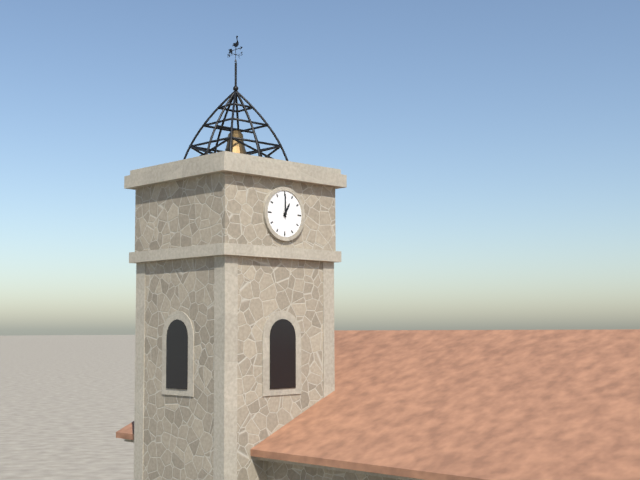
1:00
